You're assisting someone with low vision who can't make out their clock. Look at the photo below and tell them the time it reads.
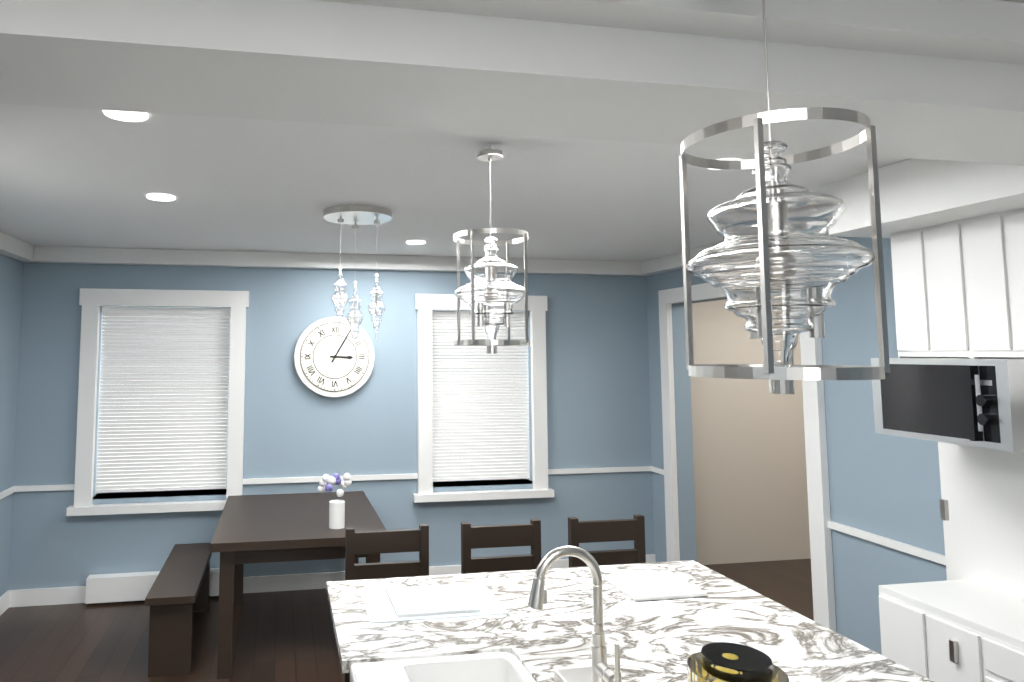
3:05
